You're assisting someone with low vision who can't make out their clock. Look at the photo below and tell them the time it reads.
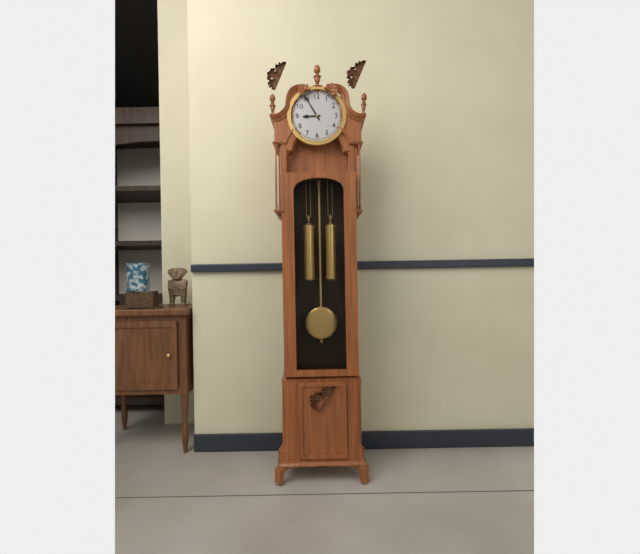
8:55
